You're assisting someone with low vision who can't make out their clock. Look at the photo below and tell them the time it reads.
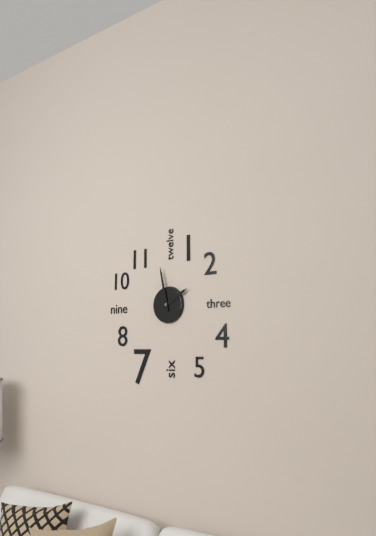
1:58
